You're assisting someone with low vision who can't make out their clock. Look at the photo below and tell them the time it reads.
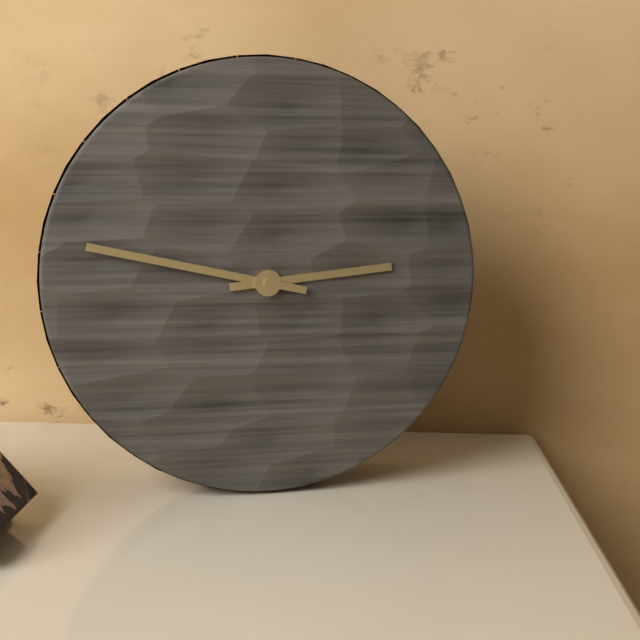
2:47
